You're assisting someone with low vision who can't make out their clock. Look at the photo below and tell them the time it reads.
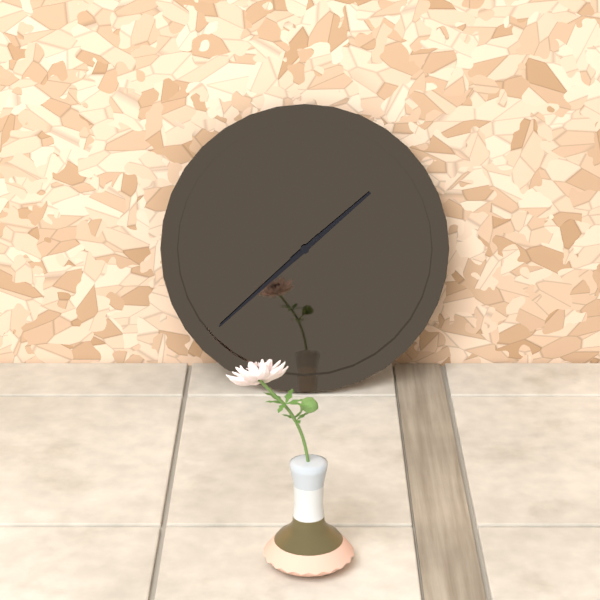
1:38
